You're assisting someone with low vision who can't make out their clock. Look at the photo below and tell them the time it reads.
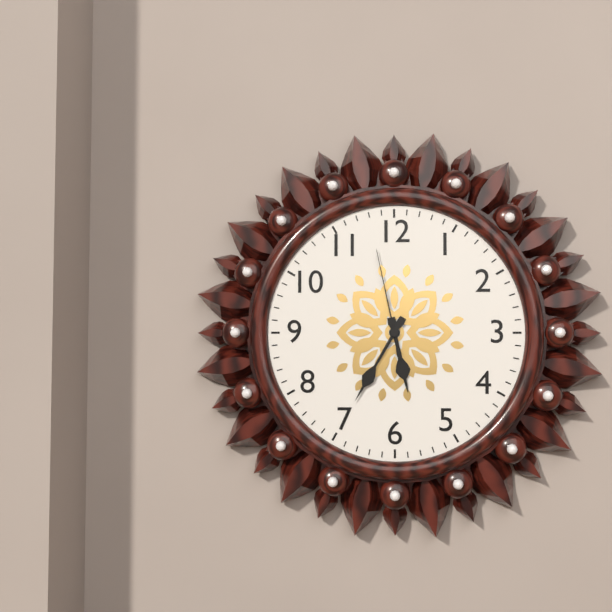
5:35:58
